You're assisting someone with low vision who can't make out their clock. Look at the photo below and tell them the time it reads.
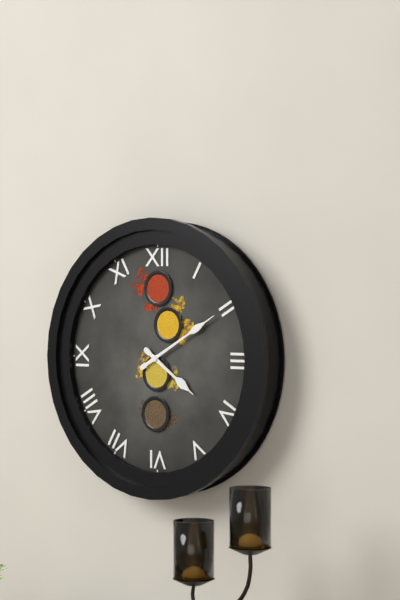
4:10
